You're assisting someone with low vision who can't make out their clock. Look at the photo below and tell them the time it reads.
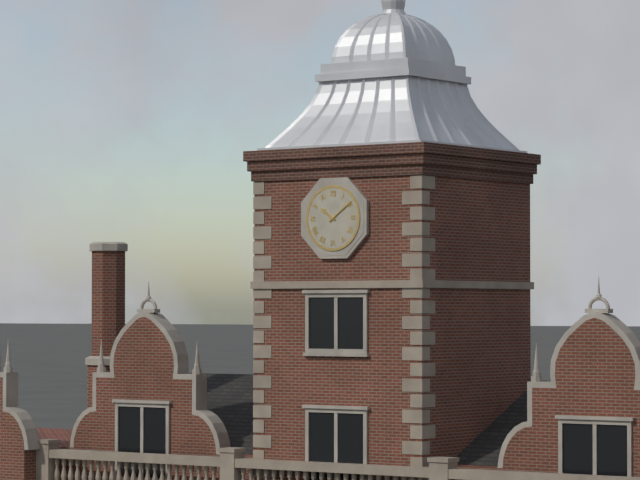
10:09
